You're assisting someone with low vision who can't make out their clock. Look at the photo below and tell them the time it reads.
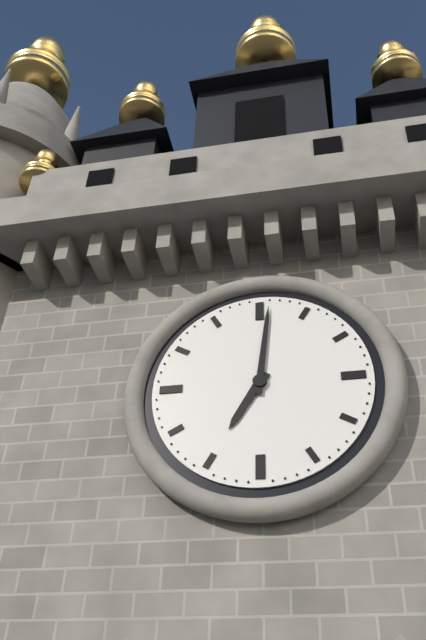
7:01
